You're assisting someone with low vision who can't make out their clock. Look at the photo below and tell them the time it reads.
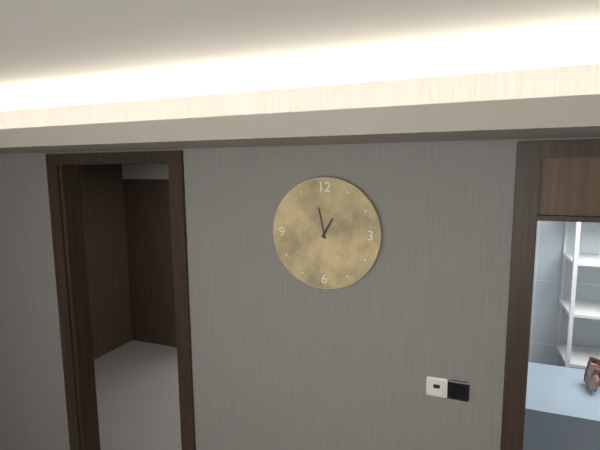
12:58
